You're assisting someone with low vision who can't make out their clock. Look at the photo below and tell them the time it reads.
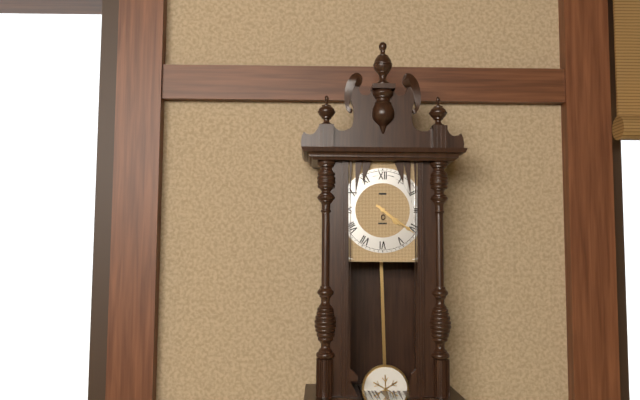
4:21
